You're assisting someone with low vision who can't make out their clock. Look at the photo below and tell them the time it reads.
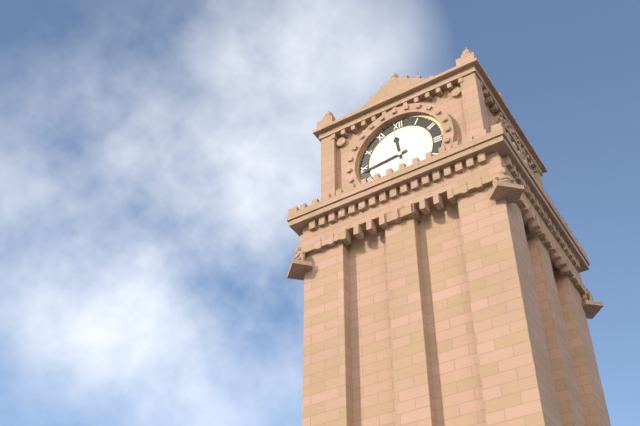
11:44
